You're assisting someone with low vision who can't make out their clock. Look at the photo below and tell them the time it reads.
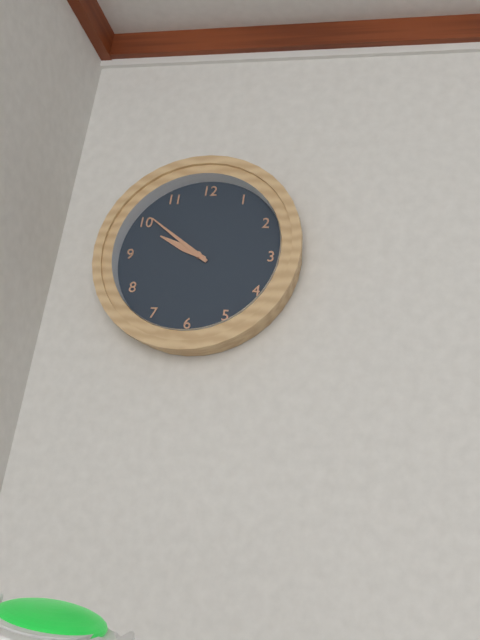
9:51
